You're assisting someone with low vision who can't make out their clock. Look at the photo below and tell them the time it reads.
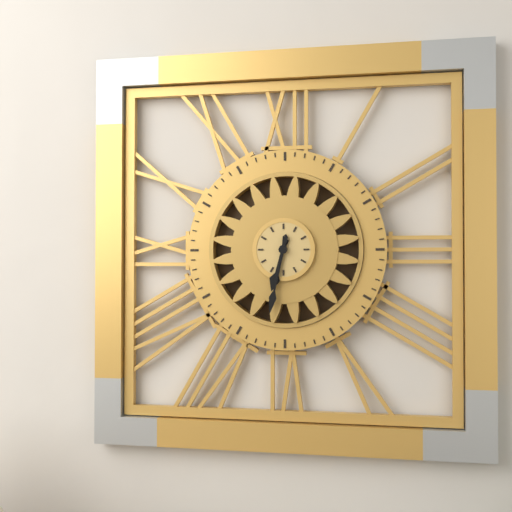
6:32
